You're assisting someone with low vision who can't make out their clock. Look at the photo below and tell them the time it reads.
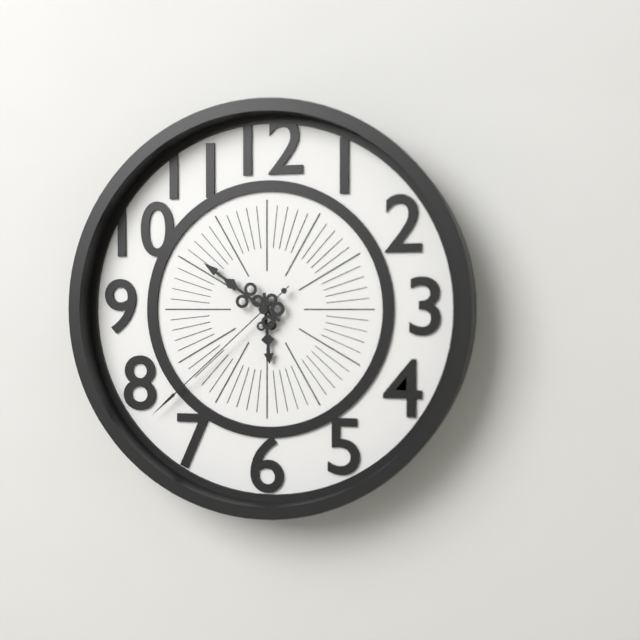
5:51:38
